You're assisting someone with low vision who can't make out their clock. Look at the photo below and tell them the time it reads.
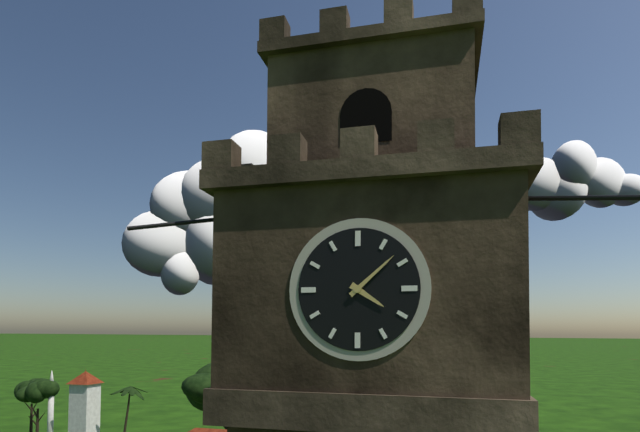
4:08
